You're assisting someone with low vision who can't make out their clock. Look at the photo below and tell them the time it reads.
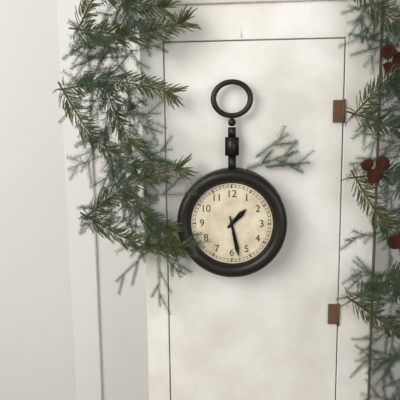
1:28
